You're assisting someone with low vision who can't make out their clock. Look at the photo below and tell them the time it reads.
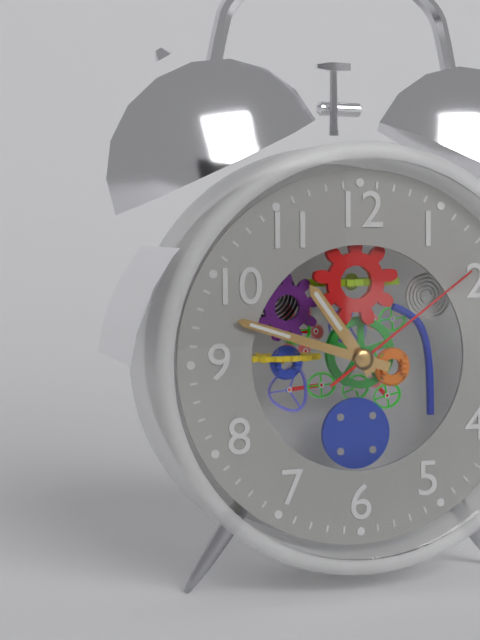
10:48:09
